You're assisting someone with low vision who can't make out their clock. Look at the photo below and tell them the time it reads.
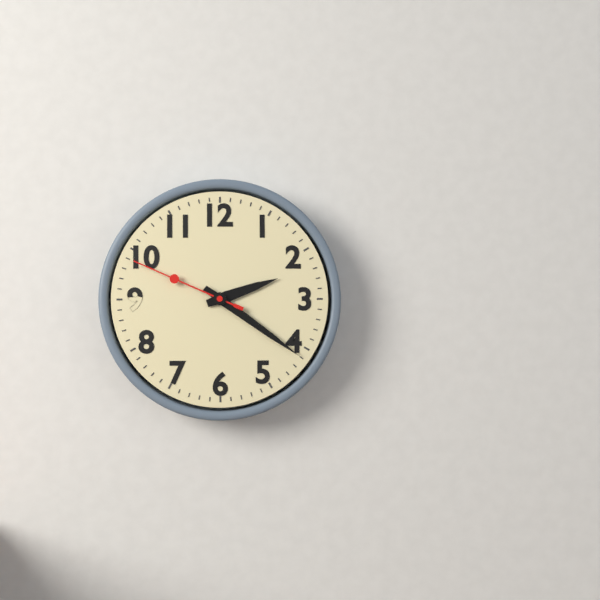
2:21:49
